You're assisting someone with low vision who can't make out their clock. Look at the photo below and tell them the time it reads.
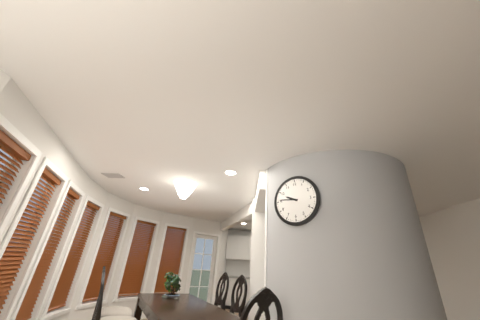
9:46
